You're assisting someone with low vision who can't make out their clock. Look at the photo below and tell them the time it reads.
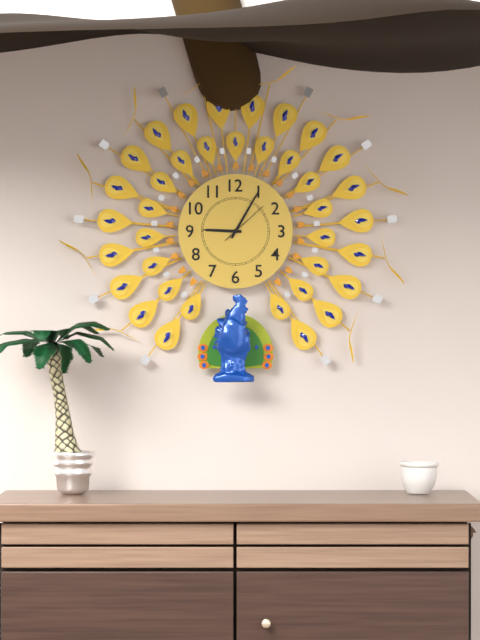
9:05
